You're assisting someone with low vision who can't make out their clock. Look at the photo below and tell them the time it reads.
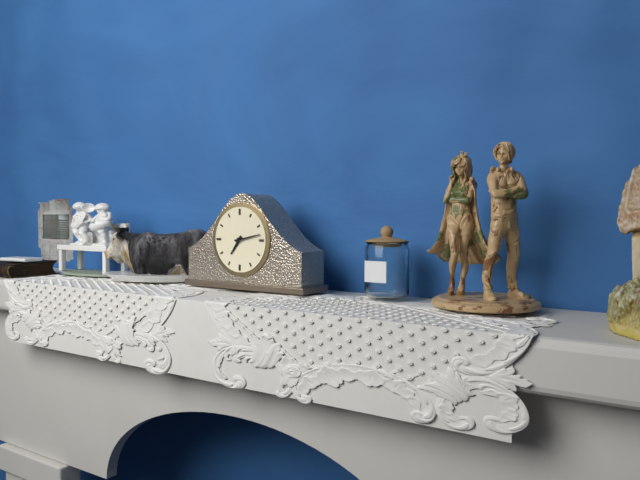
7:13
